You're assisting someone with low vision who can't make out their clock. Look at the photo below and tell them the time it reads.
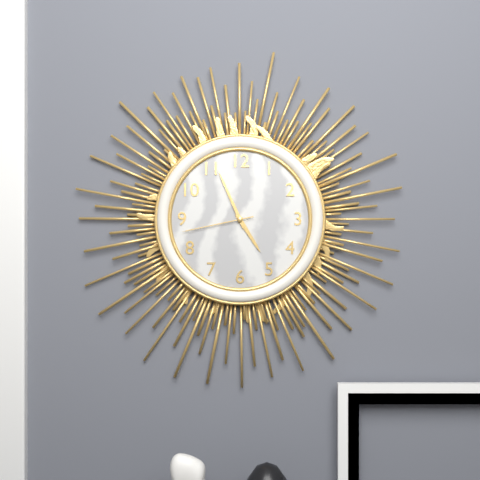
4:56:43
